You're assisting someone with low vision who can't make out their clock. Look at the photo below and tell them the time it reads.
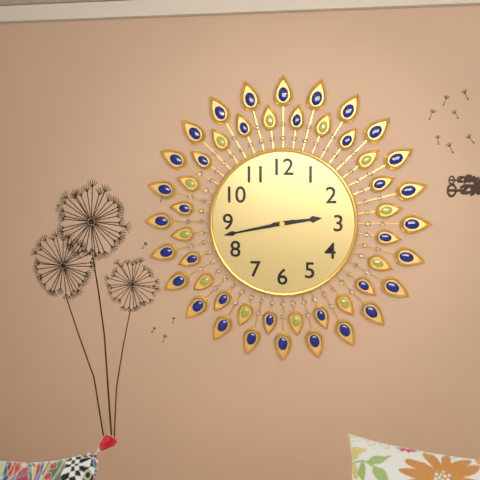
2:43
